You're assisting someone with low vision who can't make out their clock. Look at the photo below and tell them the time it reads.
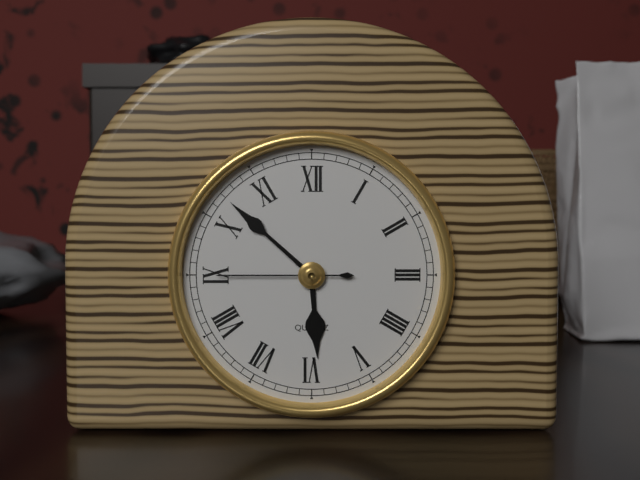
5:52:45
